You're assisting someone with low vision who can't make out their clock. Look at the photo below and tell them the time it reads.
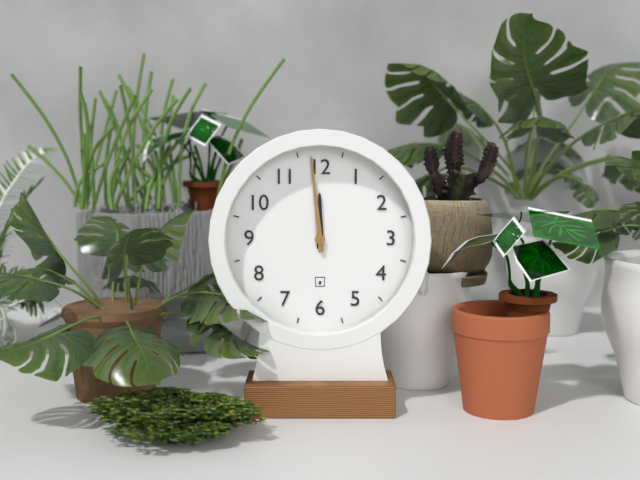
11:59
